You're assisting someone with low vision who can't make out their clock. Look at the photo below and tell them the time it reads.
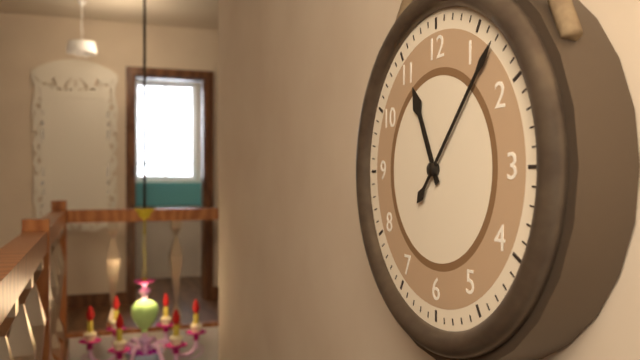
11:07
